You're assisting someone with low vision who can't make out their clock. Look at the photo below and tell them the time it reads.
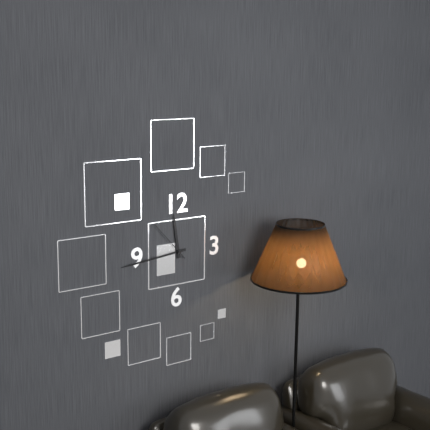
11:44:53
